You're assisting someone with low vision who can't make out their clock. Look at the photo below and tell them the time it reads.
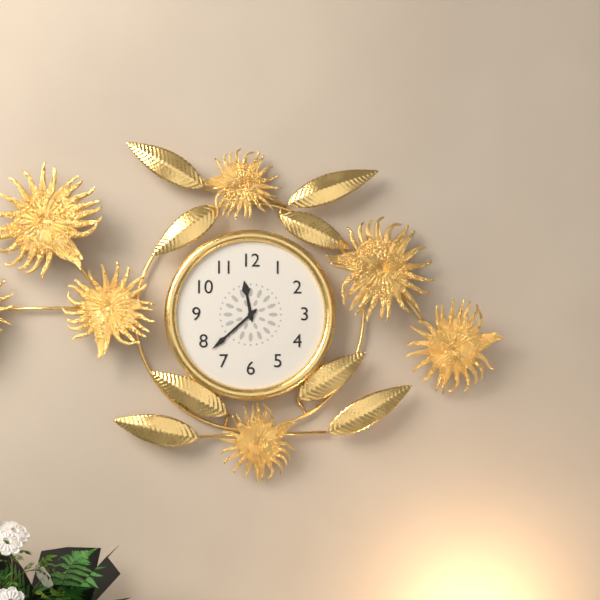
11:38
